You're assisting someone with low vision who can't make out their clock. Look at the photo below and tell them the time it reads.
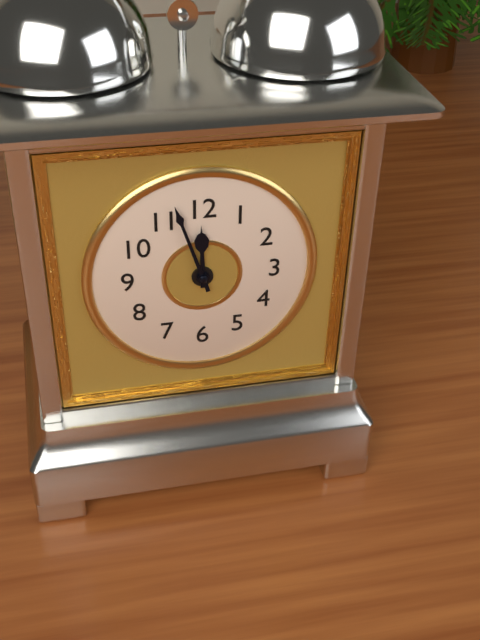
11:57
